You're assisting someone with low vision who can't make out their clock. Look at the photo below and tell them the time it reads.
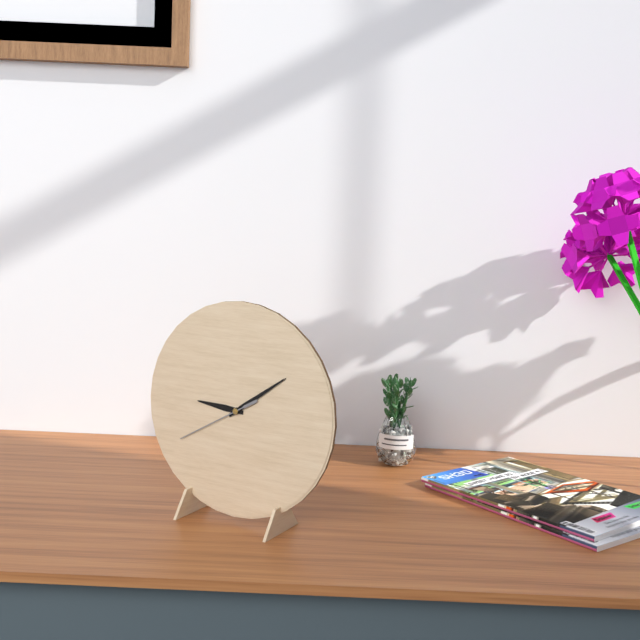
9:09:40
